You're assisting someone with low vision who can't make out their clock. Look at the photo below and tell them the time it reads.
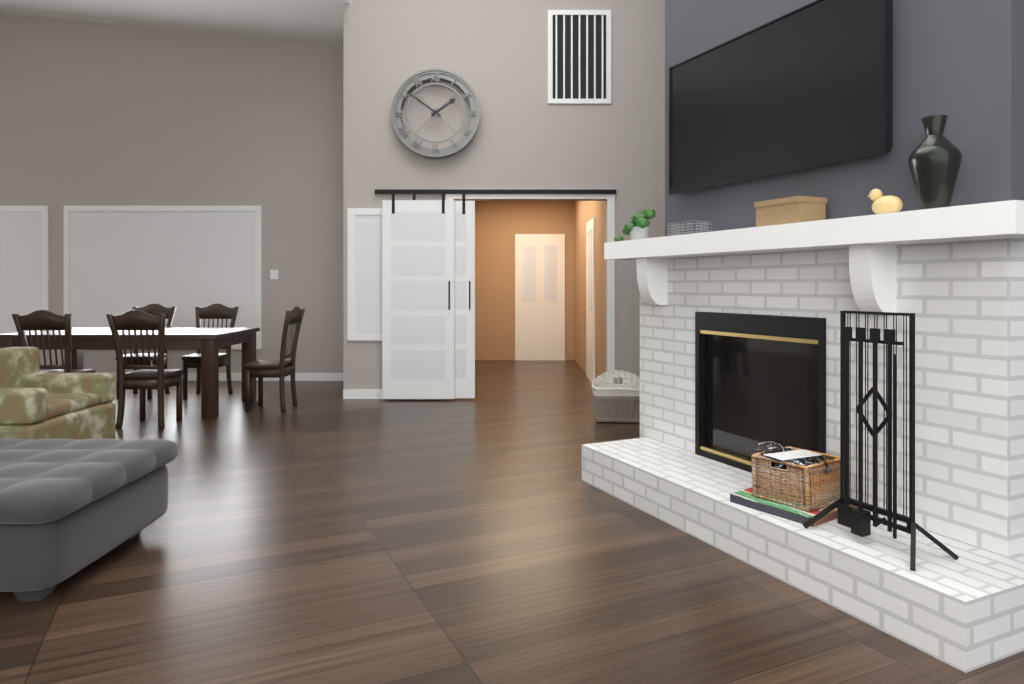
1:51
